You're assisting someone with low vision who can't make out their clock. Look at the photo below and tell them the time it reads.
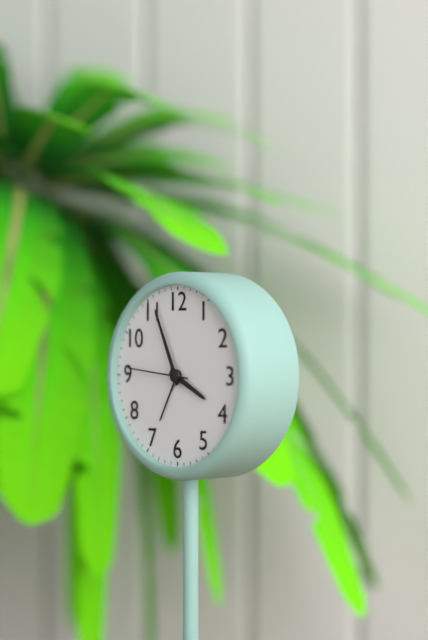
3:56:46
